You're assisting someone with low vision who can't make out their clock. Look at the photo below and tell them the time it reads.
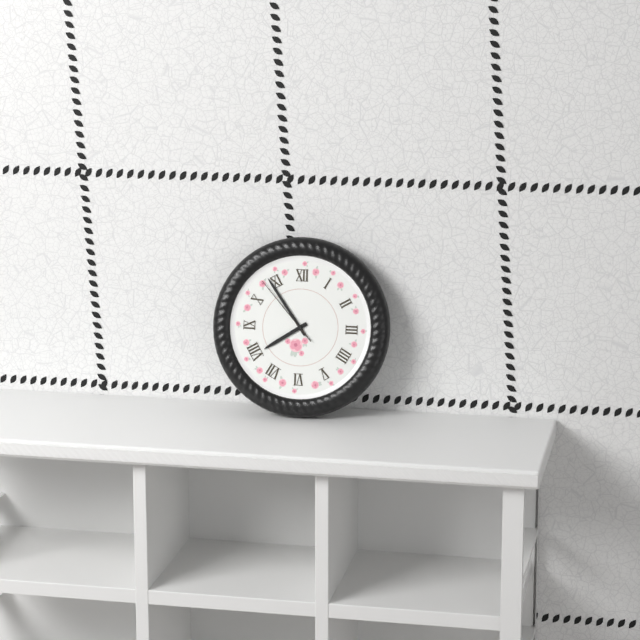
7:54:53
